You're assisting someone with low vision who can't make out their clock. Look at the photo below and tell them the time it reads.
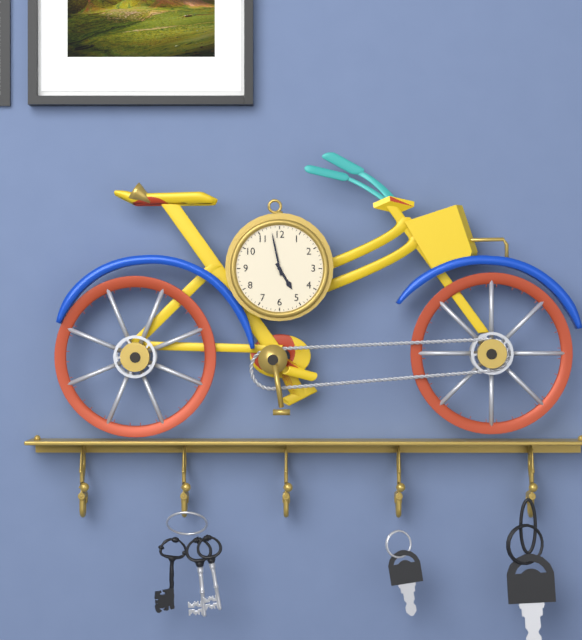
4:58
